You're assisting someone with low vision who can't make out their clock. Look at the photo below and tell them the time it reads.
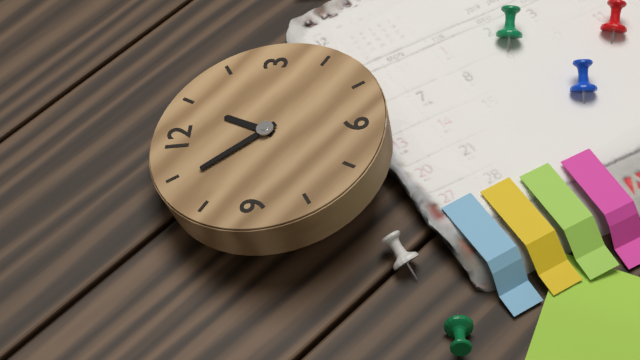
12:54
